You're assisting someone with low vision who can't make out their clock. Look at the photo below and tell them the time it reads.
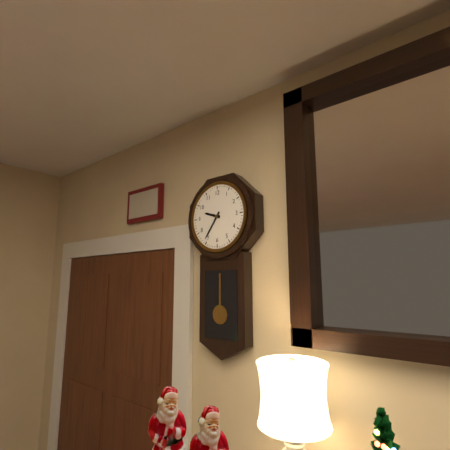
9:36
